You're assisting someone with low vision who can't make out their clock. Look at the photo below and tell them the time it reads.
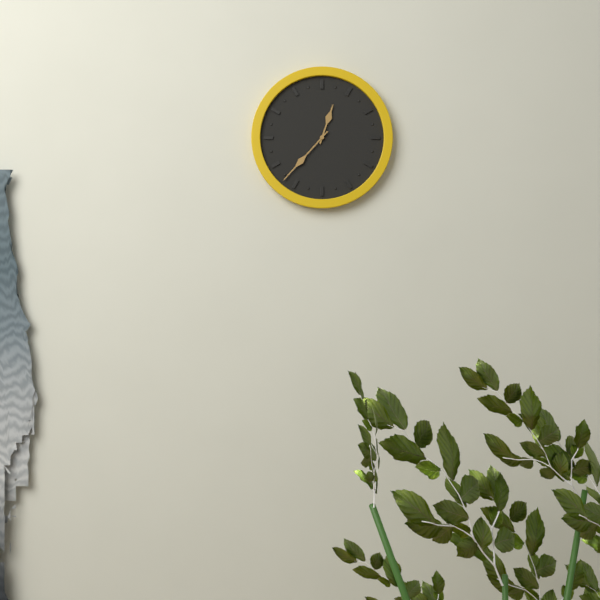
12:37
